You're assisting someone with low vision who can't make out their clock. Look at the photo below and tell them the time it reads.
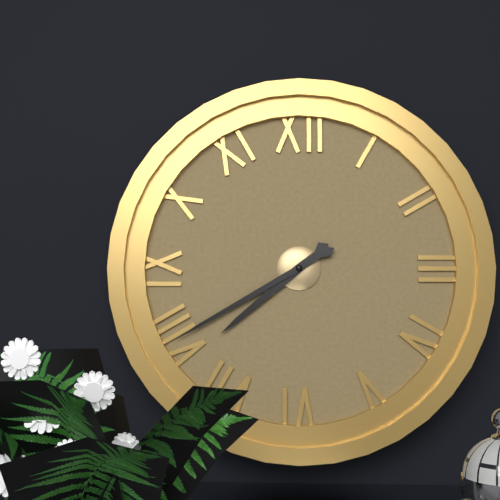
7:40
